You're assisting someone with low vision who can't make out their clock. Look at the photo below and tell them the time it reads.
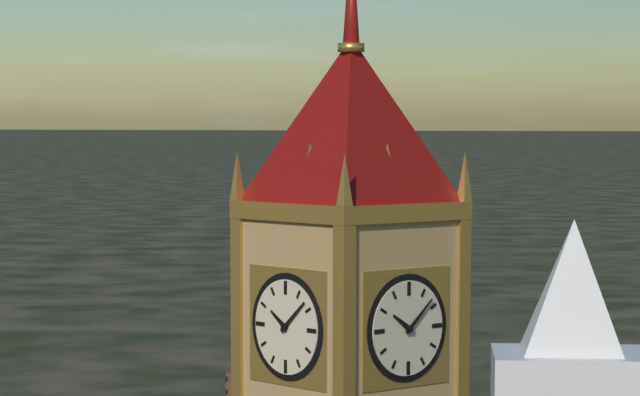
10:08
